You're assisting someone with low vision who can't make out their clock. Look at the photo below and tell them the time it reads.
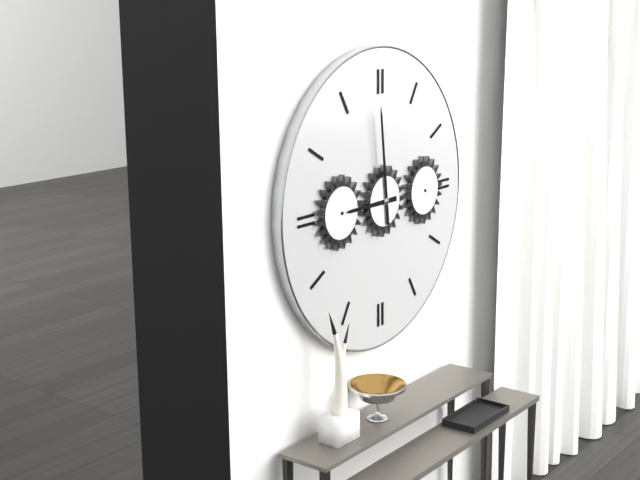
8:59
